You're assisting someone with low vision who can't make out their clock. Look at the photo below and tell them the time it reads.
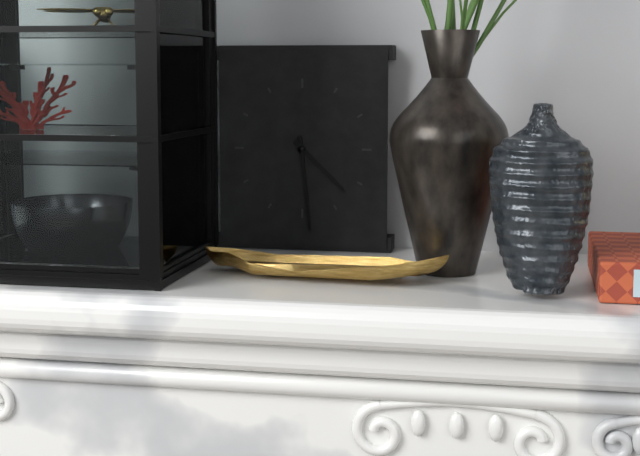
4:29
